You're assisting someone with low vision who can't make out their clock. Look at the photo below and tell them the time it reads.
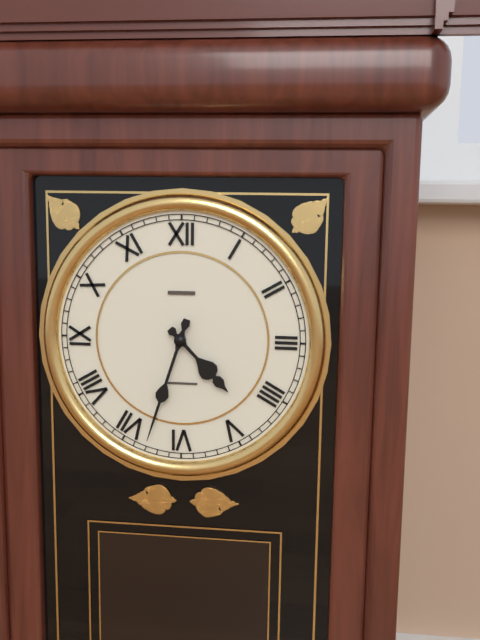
4:33
